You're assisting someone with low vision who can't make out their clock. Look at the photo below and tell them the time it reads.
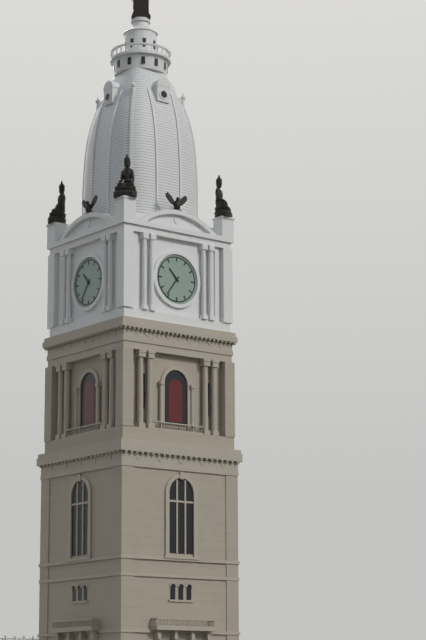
10:36
